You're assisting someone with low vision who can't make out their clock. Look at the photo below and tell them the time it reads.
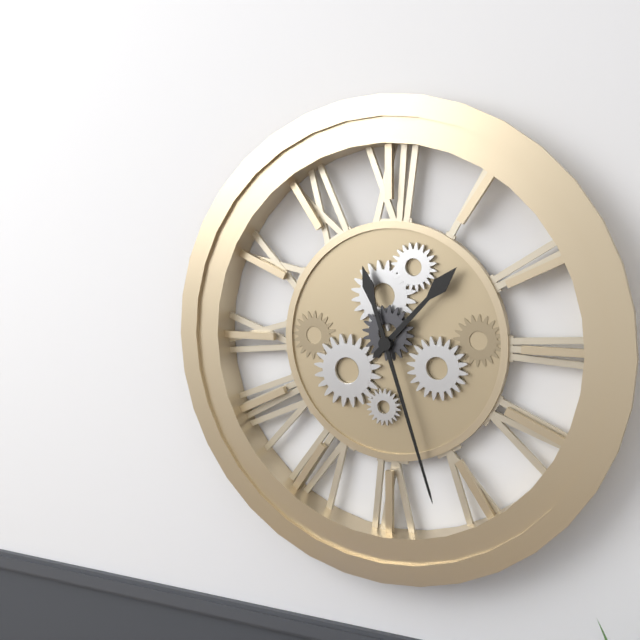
1:27
